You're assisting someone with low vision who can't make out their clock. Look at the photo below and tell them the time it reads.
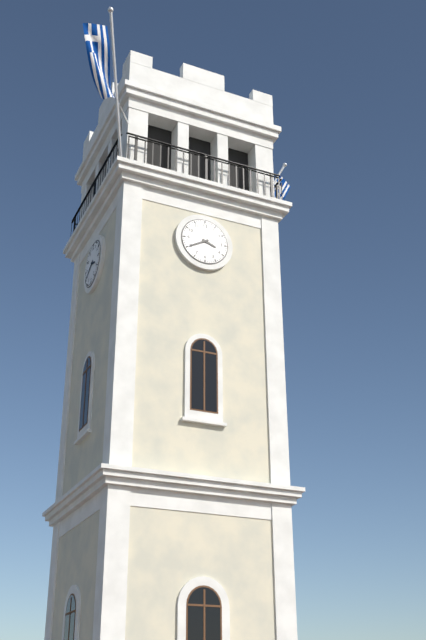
3:40
